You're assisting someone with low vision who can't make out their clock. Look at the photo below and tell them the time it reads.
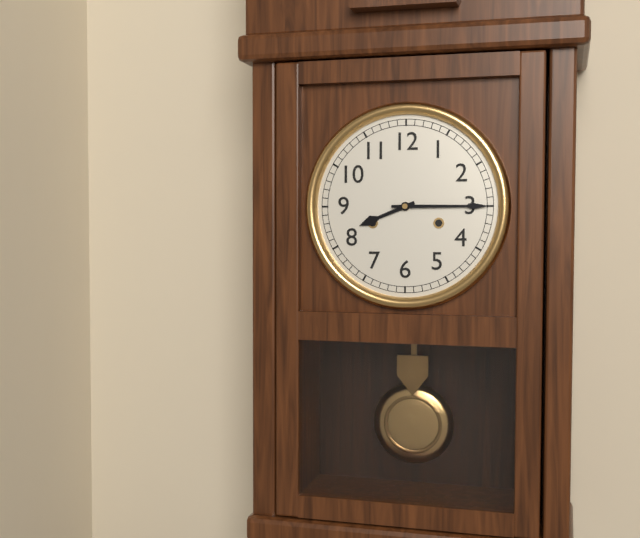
8:15
